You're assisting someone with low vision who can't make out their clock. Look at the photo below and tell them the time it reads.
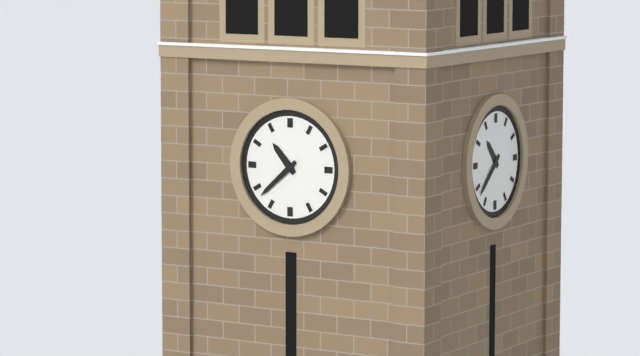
10:38
